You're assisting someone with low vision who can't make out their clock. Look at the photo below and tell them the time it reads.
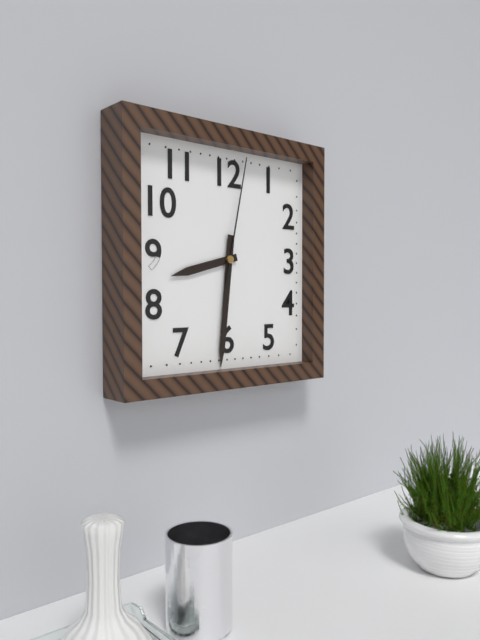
8:31:02
